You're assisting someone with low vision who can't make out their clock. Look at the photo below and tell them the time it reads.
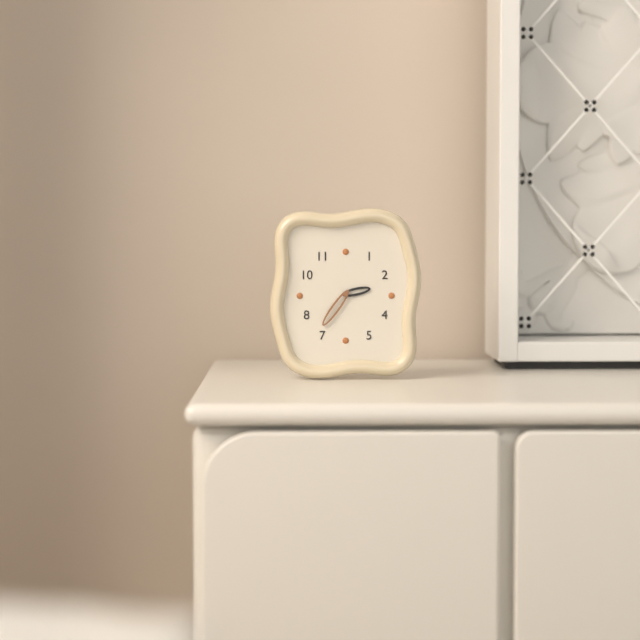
2:36
